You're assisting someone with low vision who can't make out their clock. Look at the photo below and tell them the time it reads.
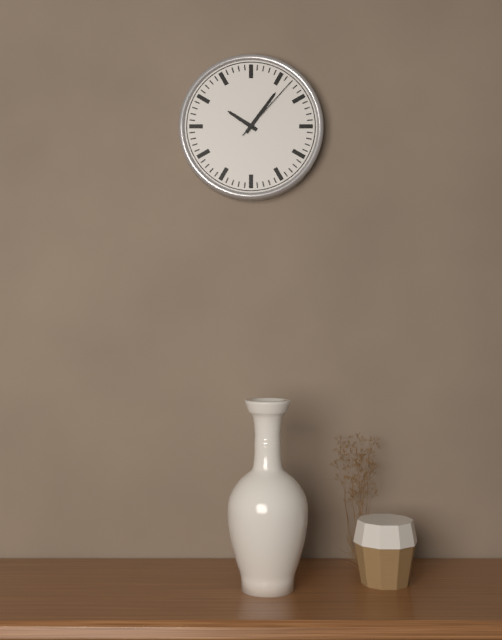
10:06:07
